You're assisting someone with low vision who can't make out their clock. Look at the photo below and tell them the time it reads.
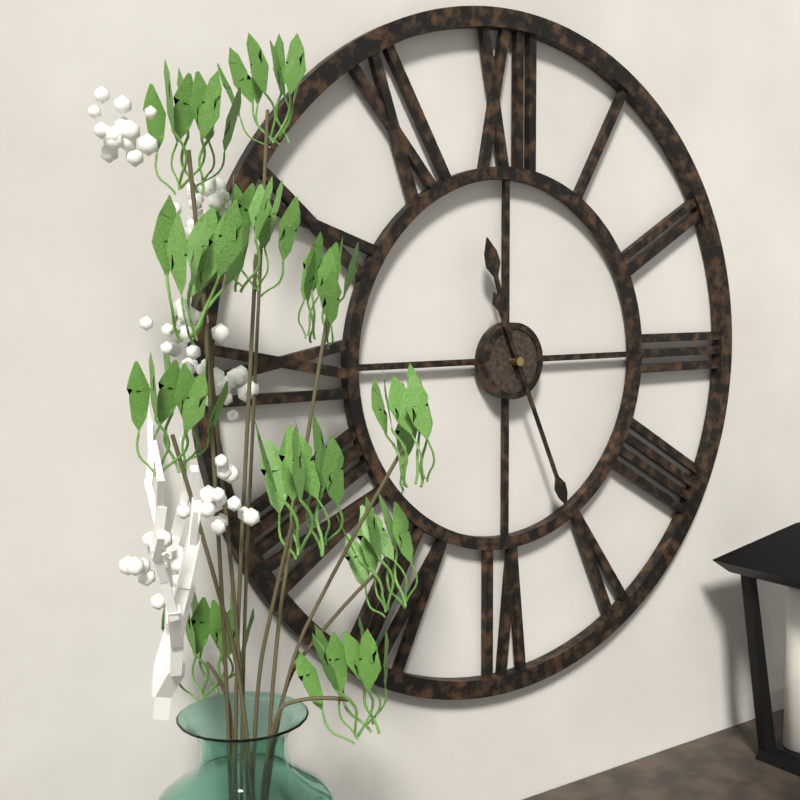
11:26
